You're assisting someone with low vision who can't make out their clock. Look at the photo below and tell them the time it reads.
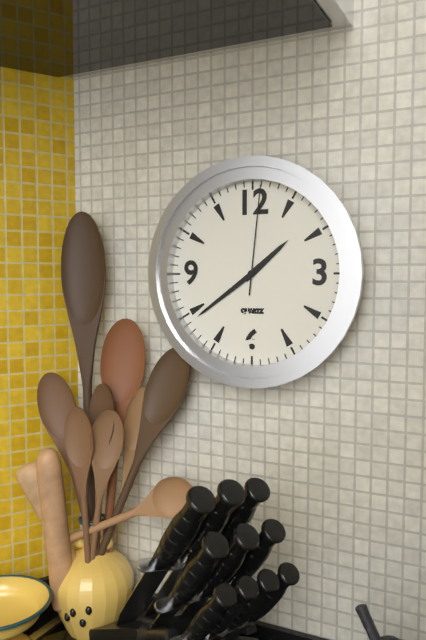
1:39:01
